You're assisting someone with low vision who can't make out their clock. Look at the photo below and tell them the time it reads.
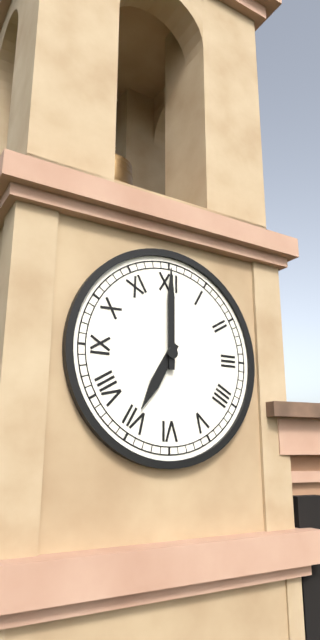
7:00
